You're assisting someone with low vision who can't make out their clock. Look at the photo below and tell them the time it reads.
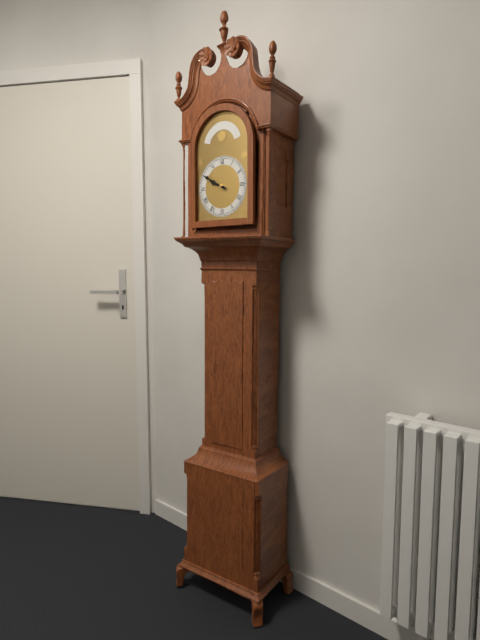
9:50
